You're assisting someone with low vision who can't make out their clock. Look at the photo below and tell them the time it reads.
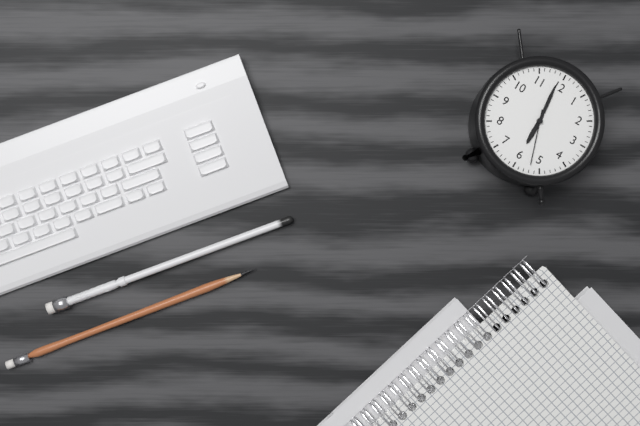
5:59:27
